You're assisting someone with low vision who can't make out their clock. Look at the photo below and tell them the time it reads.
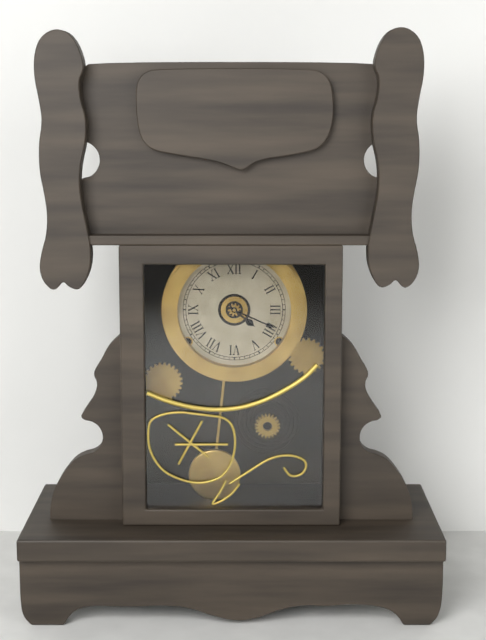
4:19
